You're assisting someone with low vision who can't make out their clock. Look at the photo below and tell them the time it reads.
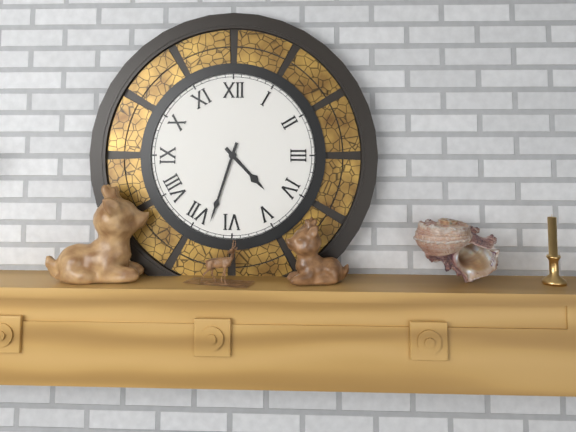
4:33
